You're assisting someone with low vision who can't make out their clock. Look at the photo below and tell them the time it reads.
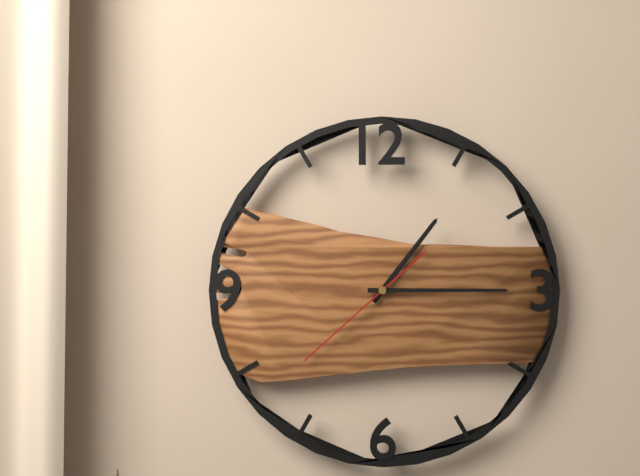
1:15:38
